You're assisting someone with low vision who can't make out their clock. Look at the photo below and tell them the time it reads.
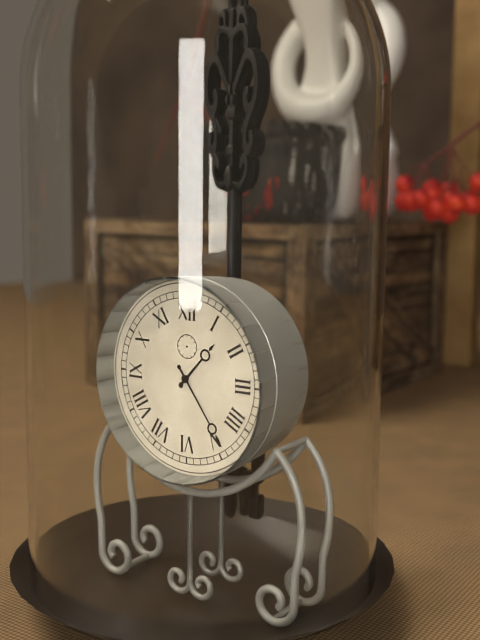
1:24
